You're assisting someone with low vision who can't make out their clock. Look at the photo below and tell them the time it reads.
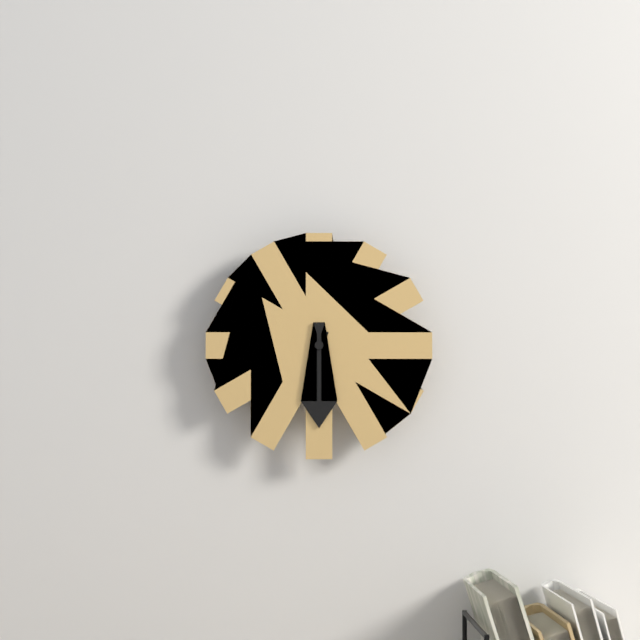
6:30
